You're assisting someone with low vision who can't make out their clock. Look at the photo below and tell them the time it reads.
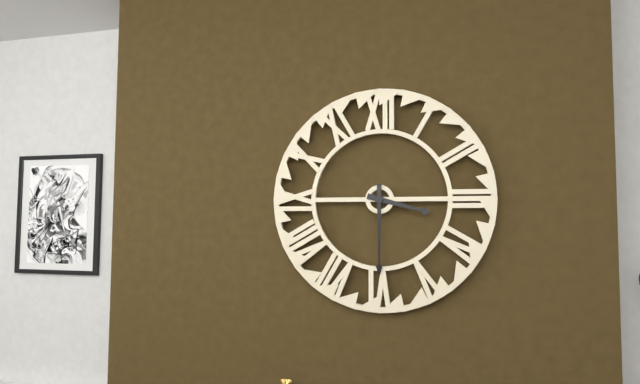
3:30
